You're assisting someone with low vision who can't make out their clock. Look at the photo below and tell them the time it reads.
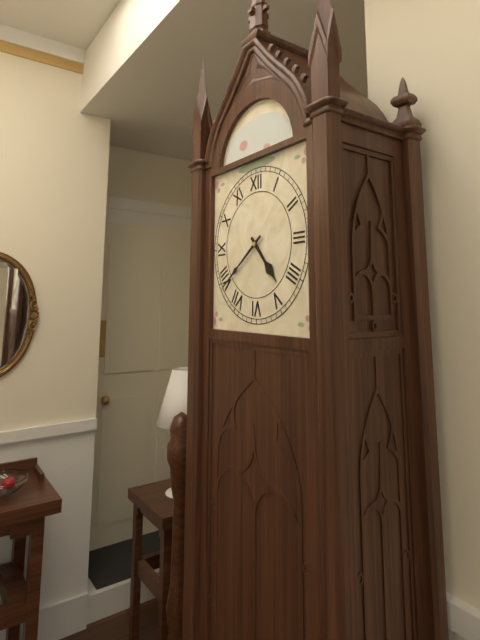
4:39
